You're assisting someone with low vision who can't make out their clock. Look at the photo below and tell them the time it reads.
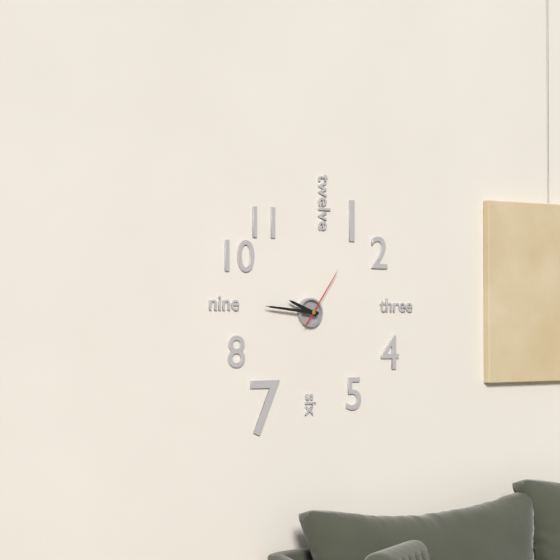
9:46:06
